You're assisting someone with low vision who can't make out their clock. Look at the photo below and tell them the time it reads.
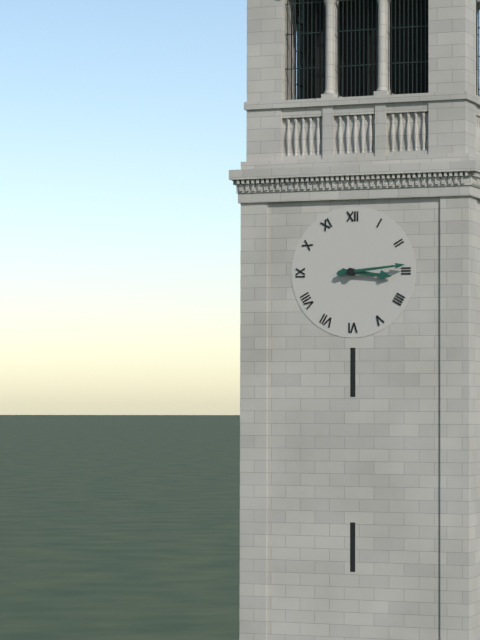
3:14
